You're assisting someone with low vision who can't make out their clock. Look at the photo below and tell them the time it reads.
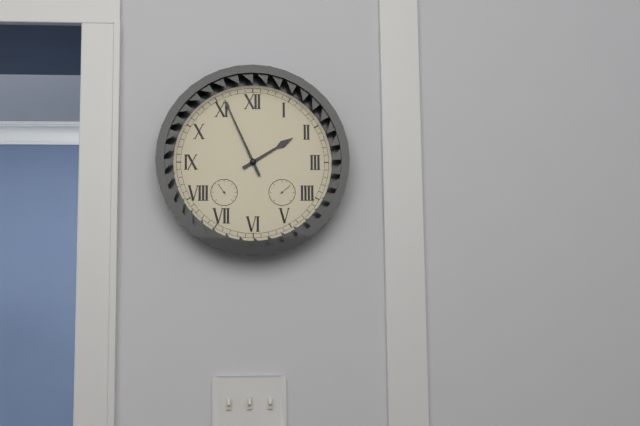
1:56
